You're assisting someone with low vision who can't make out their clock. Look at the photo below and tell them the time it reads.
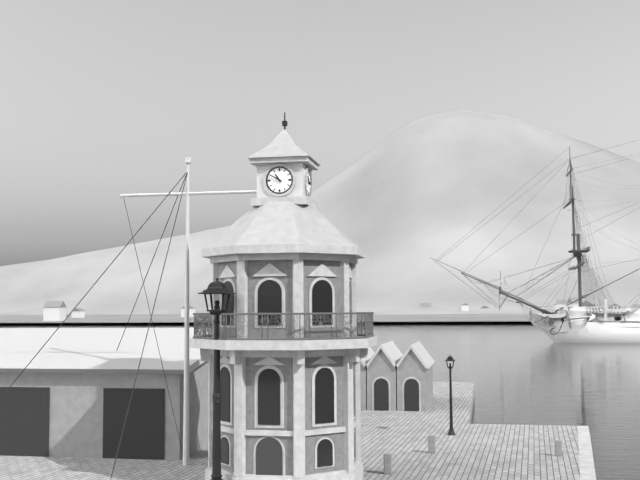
10:50
